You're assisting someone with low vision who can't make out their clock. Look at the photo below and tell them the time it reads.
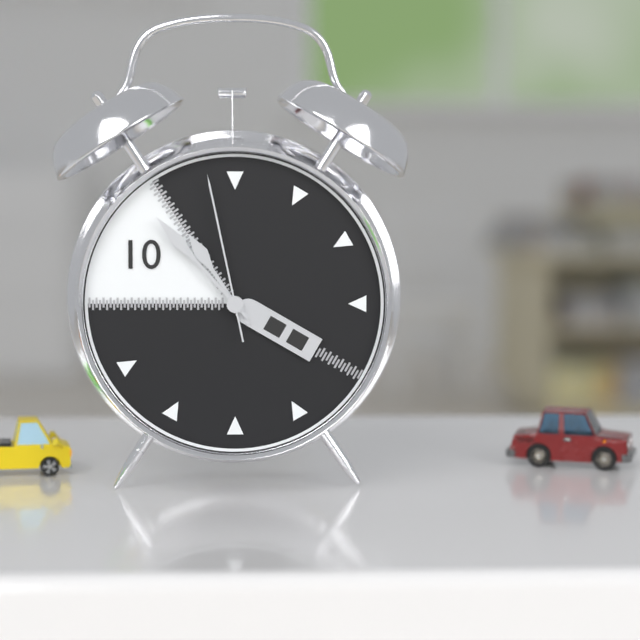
10:53:58
